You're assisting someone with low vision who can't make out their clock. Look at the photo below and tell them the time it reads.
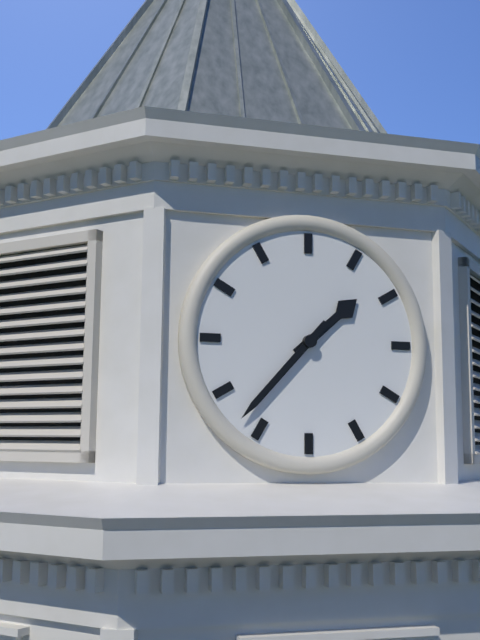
1:37
